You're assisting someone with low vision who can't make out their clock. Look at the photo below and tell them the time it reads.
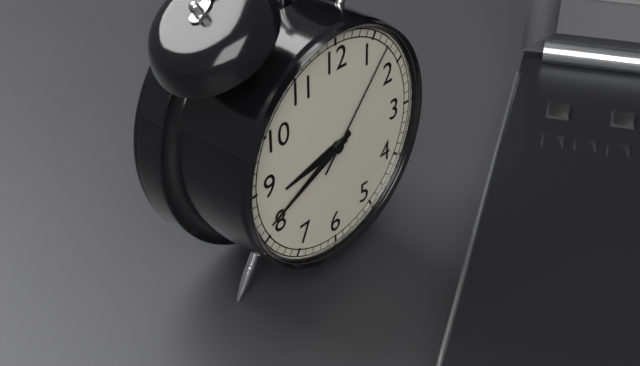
8:41:07
